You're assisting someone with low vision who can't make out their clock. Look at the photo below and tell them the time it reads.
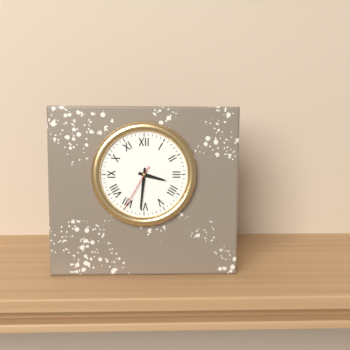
3:31:35
